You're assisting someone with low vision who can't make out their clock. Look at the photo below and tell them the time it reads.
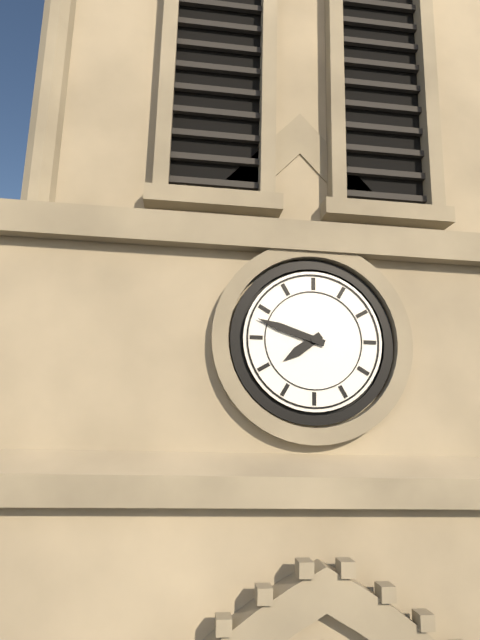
7:48
